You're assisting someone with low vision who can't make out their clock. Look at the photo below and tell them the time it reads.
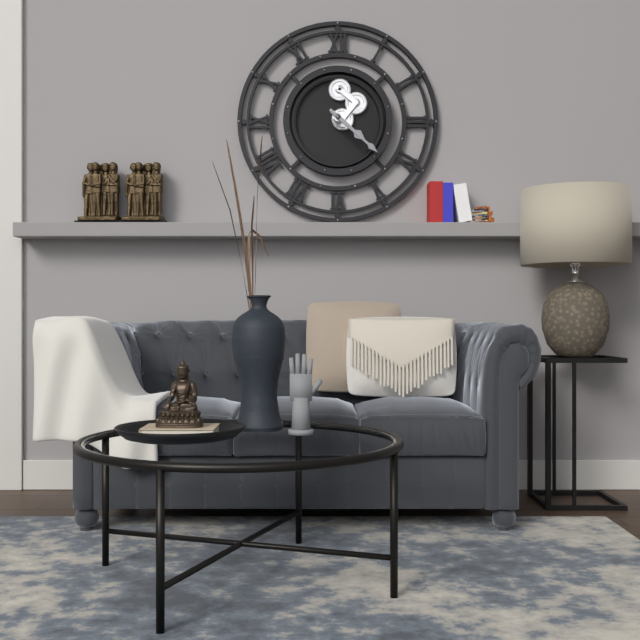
4:22
